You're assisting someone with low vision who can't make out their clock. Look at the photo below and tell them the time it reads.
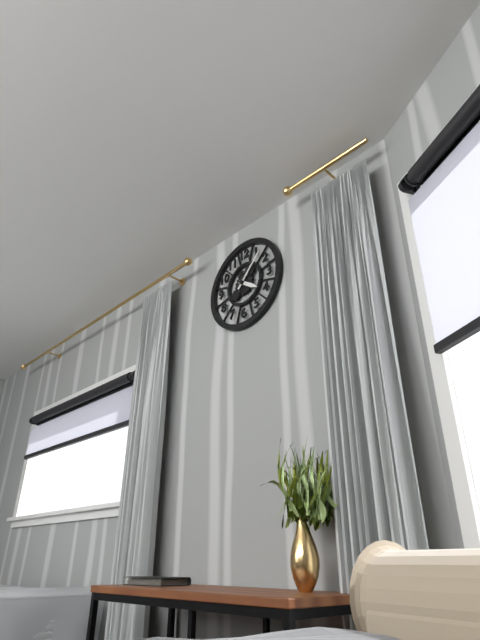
4:07
